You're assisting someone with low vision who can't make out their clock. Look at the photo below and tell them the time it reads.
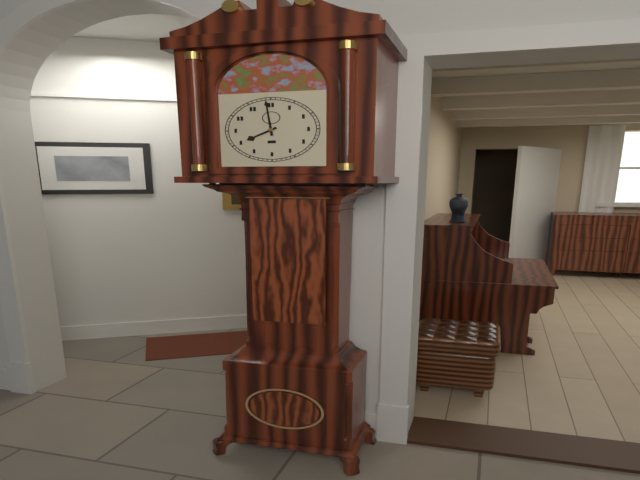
7:59
